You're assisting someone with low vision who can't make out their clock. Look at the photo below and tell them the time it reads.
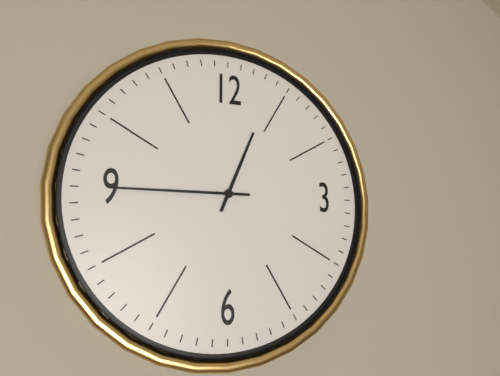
12:45
